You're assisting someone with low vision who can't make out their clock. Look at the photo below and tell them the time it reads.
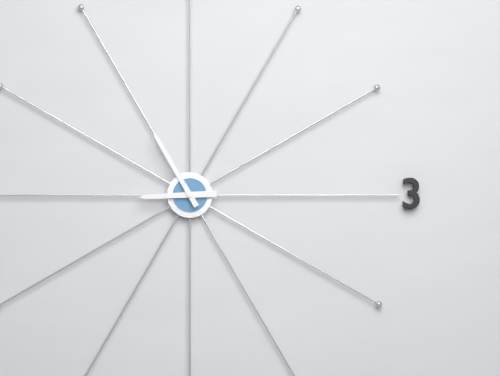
8:55
